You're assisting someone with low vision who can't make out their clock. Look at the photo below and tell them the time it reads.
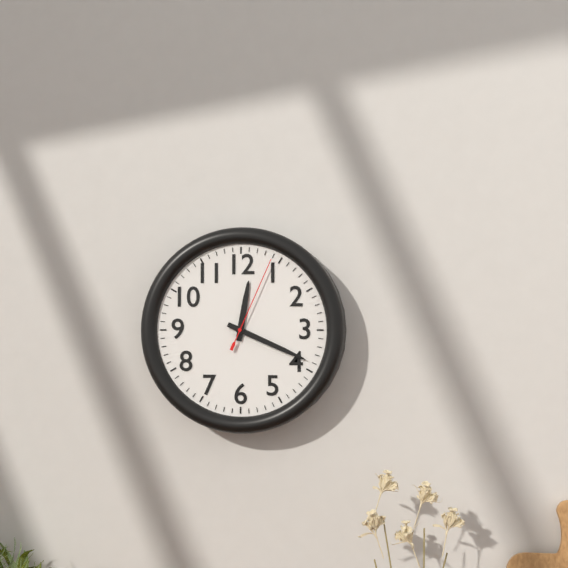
12:19:04
